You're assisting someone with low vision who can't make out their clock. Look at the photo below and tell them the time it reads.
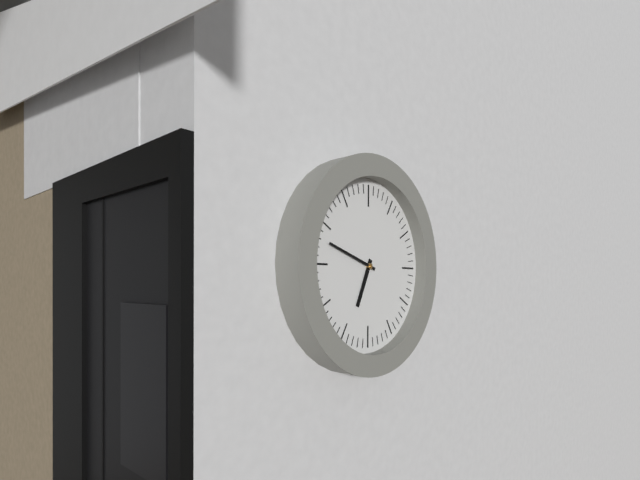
6:48
